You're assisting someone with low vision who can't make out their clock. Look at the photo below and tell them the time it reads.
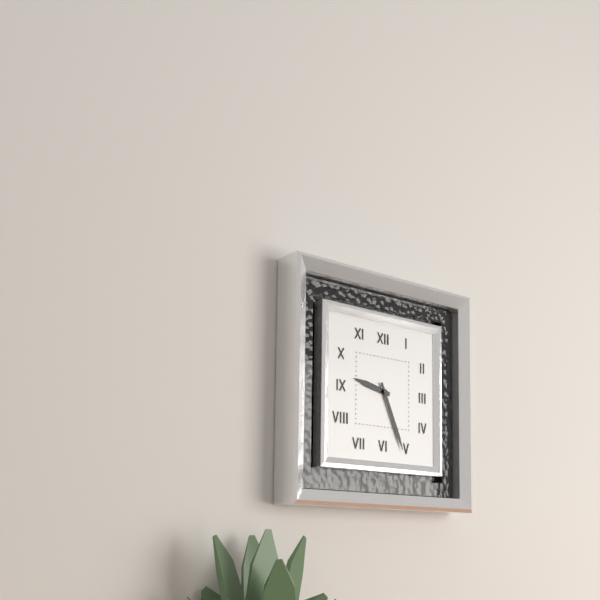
9:26
